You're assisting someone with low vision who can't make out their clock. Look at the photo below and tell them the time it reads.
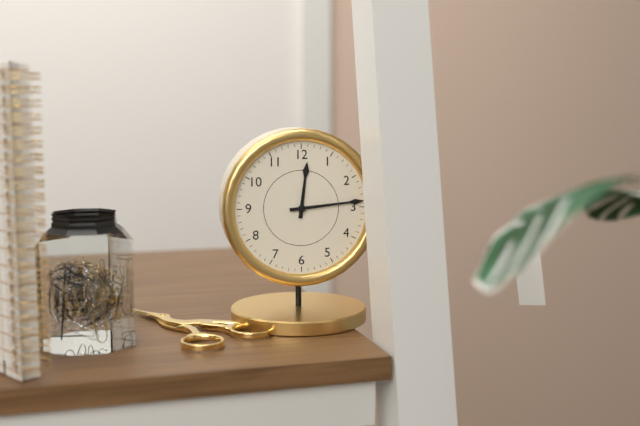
12:14
